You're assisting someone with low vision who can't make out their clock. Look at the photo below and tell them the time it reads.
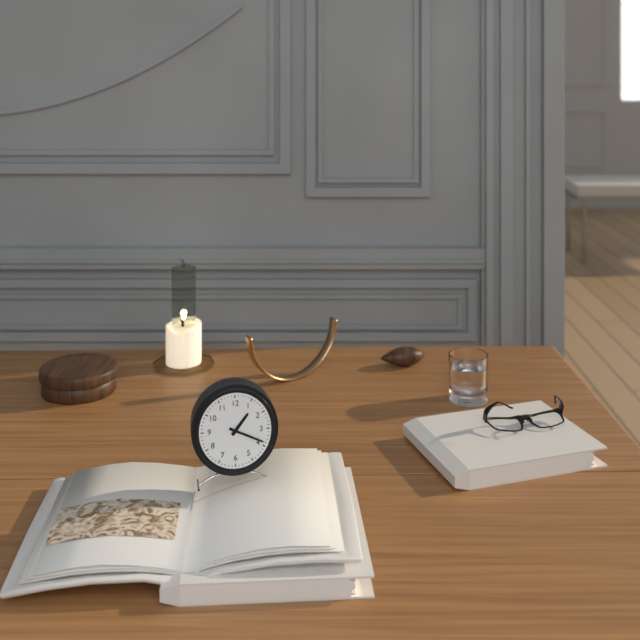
1:19
